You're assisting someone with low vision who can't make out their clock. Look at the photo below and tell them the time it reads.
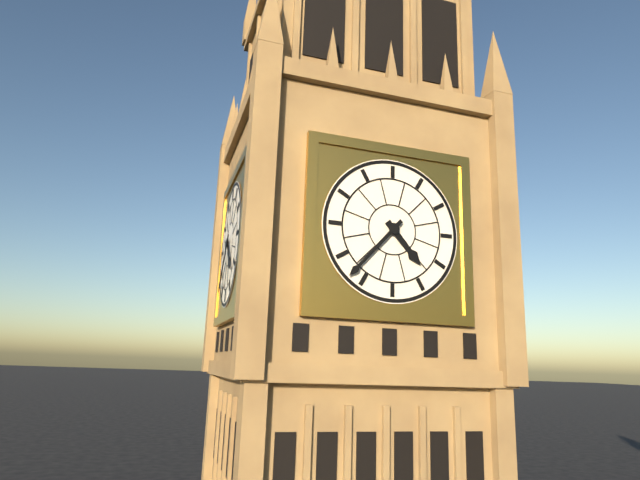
4:37
